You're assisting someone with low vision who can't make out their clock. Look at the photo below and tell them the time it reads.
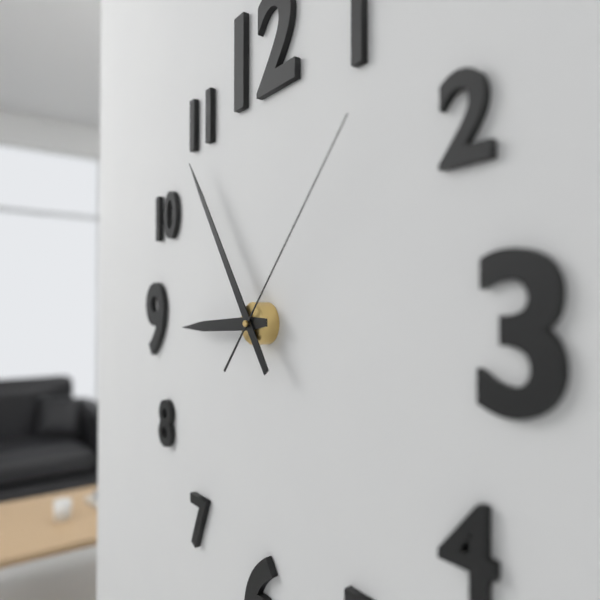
8:54:07
